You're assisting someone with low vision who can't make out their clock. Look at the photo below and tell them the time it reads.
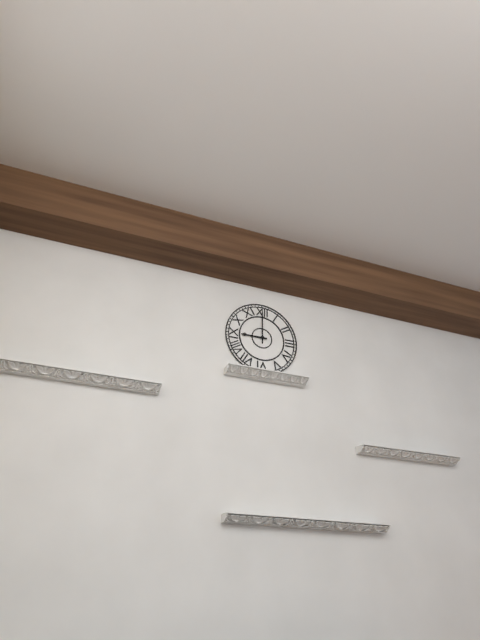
9:00
